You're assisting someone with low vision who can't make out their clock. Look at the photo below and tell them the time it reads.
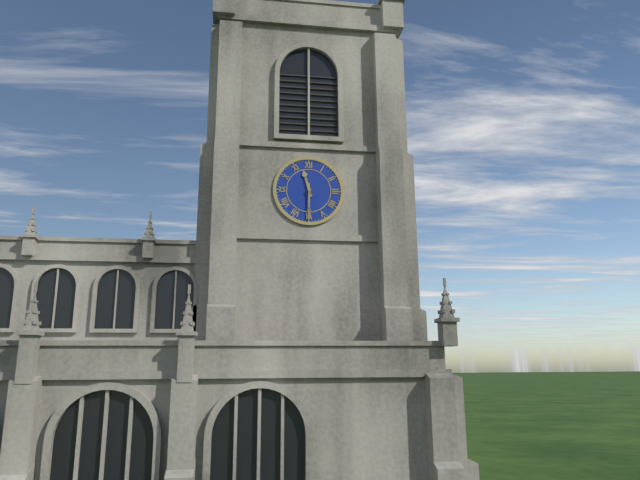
11:30
